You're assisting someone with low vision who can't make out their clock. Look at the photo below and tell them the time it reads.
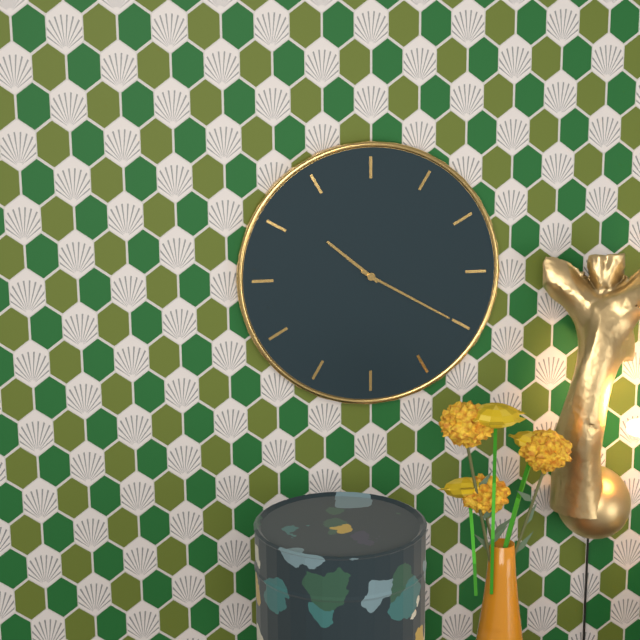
10:20
